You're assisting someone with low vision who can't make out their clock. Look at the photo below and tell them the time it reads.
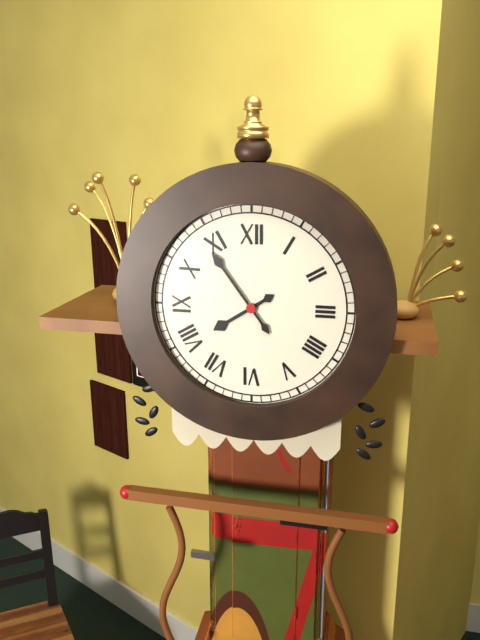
7:54
